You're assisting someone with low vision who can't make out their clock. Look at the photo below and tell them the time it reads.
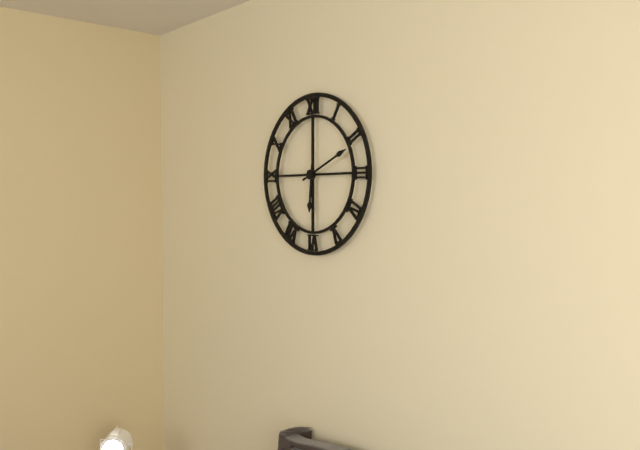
6:11
